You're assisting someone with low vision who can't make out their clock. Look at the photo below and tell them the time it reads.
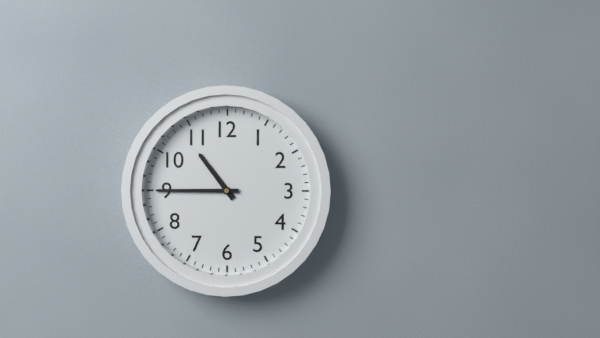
10:45
